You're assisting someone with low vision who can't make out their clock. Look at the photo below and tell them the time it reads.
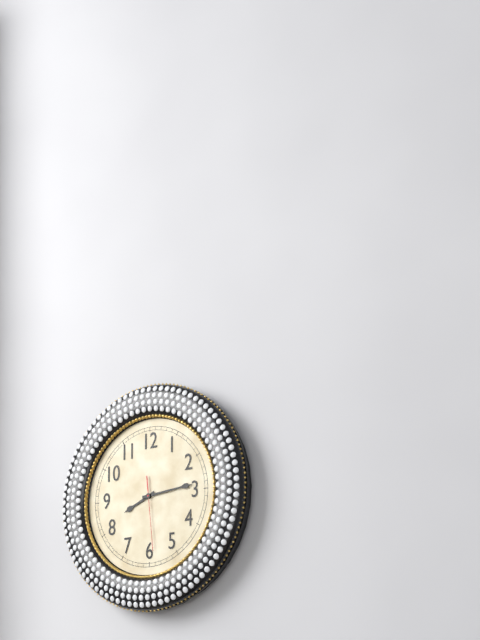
8:14:29
